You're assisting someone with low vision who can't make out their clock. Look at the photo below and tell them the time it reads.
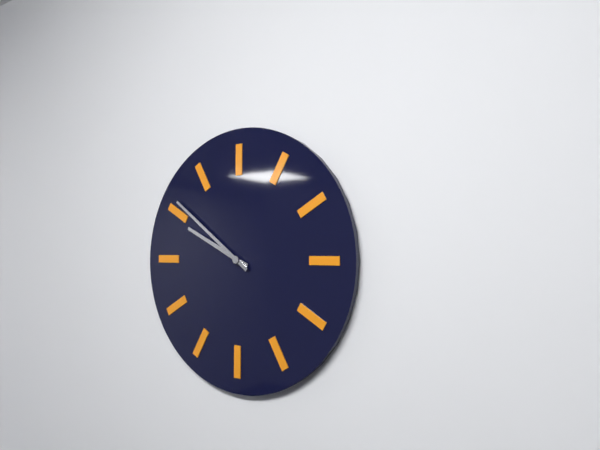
9:51
